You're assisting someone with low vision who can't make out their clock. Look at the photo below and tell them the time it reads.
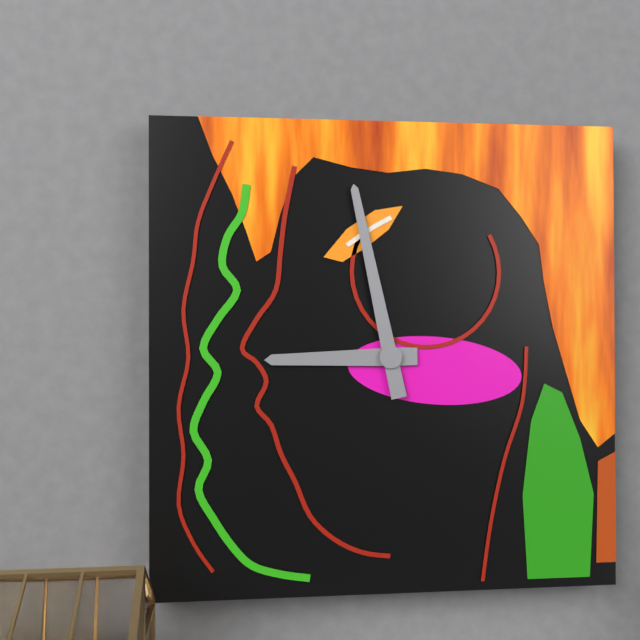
8:58
